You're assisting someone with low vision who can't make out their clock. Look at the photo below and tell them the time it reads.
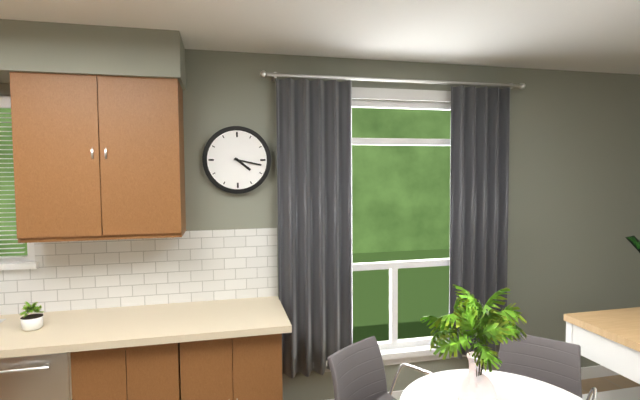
4:17
